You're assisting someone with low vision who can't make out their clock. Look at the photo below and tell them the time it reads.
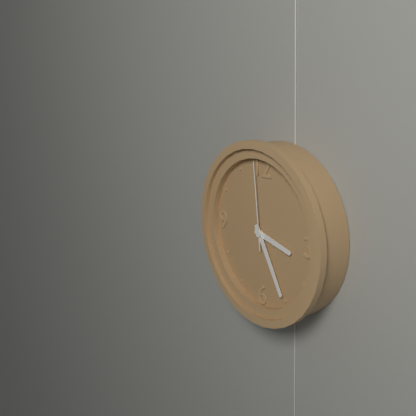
3:25:59
